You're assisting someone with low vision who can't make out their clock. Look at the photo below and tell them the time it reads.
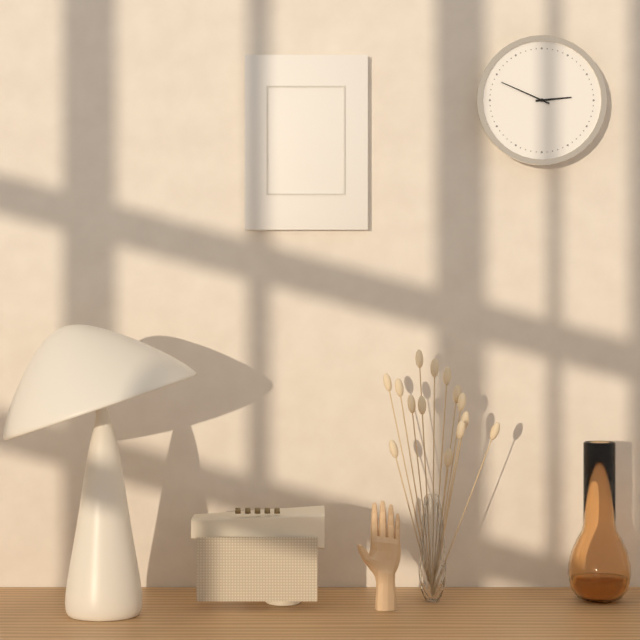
2:49
